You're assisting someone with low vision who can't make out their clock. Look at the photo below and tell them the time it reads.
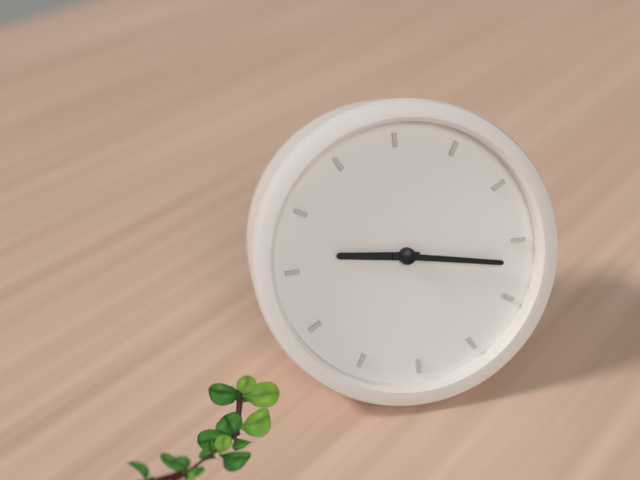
9:17
